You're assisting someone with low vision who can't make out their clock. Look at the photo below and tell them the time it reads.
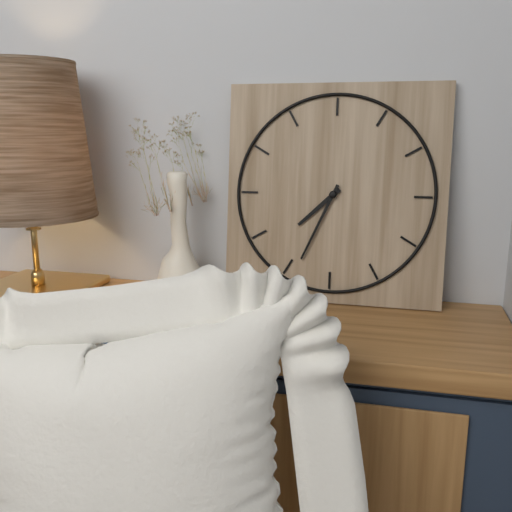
7:34
